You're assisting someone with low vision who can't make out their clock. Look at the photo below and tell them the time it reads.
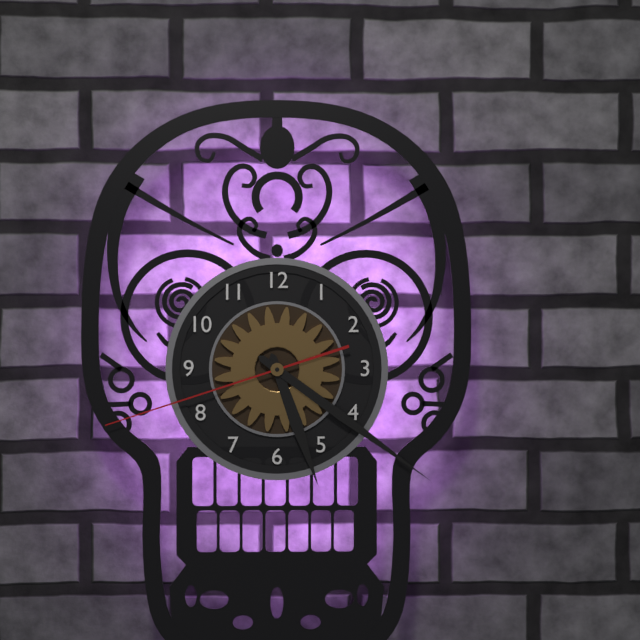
5:21:42
